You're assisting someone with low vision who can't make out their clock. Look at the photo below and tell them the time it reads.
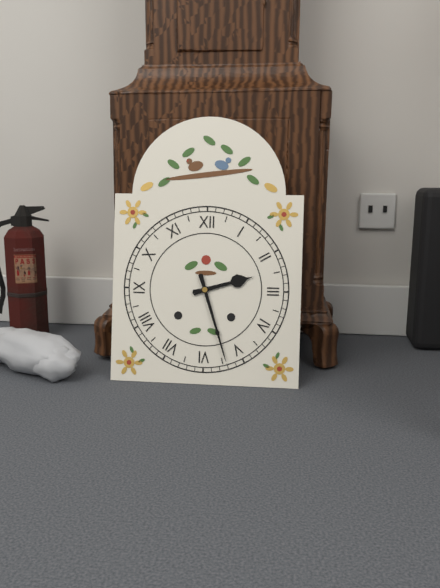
2:27
